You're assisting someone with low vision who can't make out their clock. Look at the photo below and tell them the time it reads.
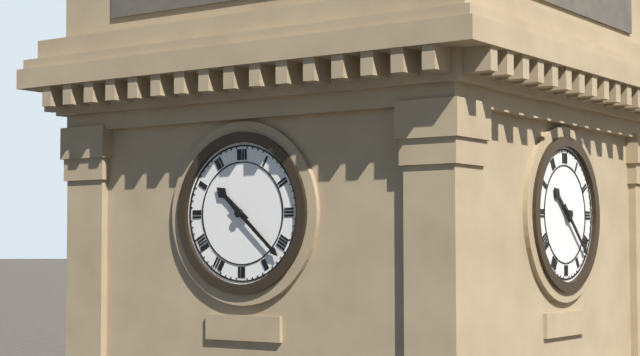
10:22
